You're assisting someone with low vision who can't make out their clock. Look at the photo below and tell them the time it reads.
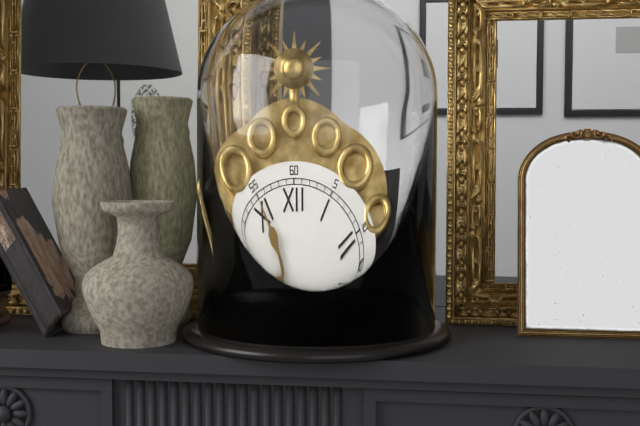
2:55
